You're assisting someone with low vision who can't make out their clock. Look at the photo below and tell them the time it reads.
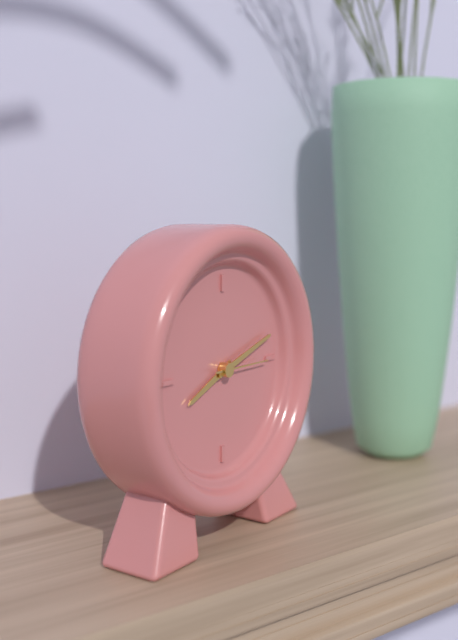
8:12:15
